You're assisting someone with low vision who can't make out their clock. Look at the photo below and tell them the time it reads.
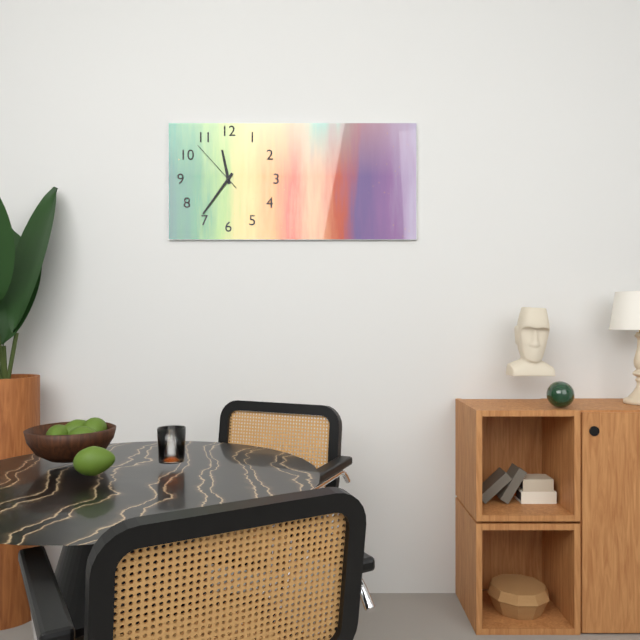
11:36:53
